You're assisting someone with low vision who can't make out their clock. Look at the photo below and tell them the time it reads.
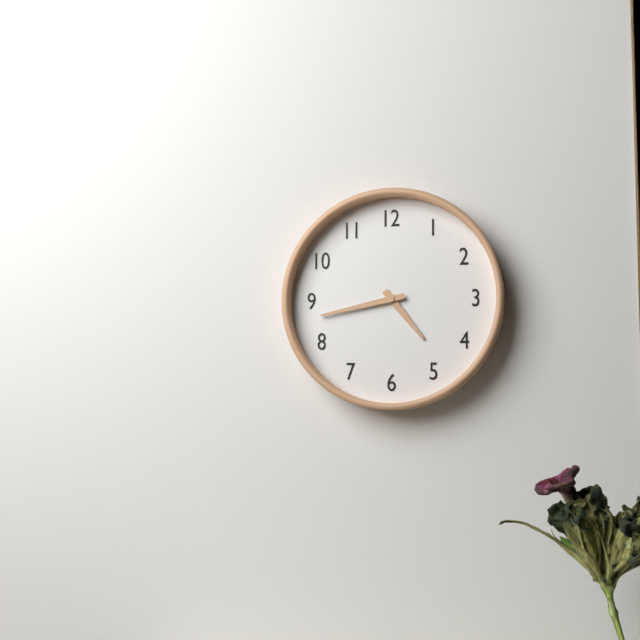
4:43
